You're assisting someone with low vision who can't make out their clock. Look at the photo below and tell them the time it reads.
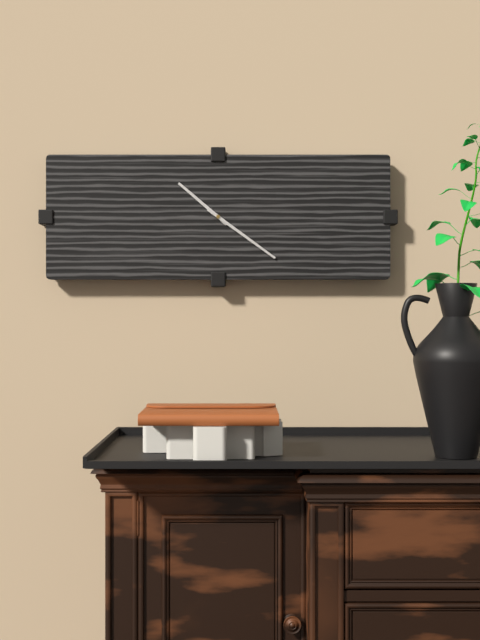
10:21
